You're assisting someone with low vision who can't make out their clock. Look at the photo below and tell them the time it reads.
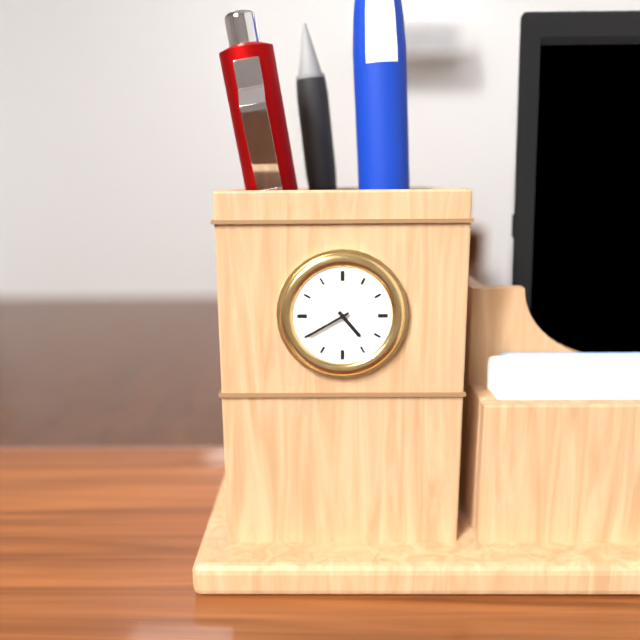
4:40
